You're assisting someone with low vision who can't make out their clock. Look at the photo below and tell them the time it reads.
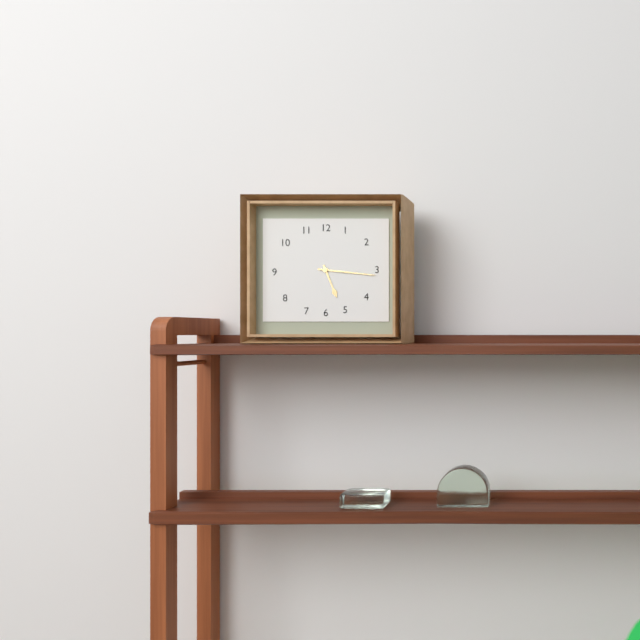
5:16
